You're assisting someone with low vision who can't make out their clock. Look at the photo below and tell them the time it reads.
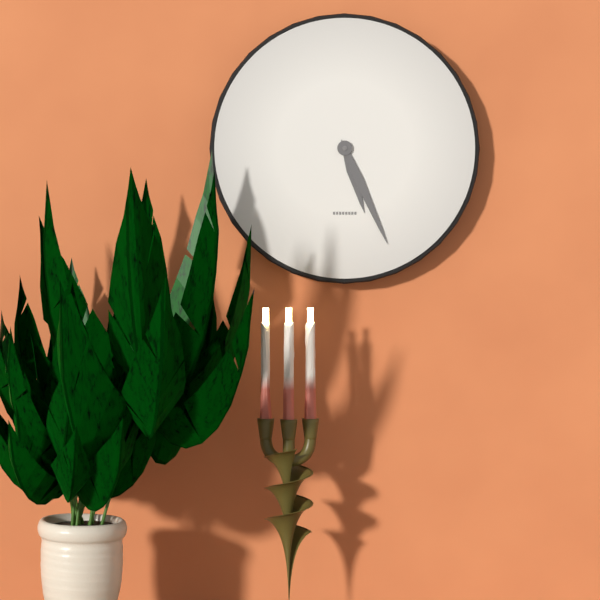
5:26
